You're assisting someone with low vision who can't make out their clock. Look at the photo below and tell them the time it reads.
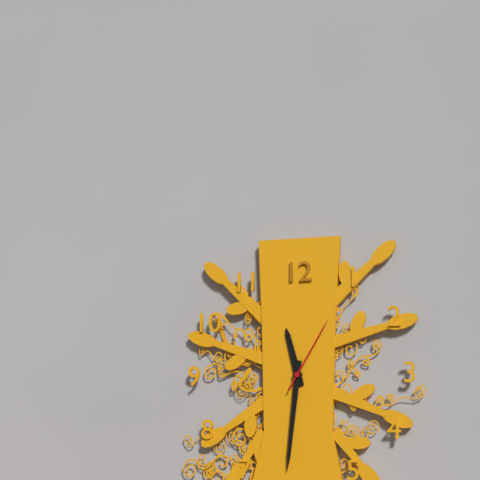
11:31:05
